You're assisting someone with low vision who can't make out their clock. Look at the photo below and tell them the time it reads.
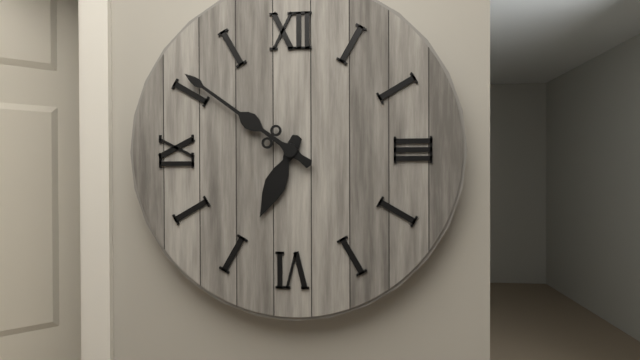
6:51
